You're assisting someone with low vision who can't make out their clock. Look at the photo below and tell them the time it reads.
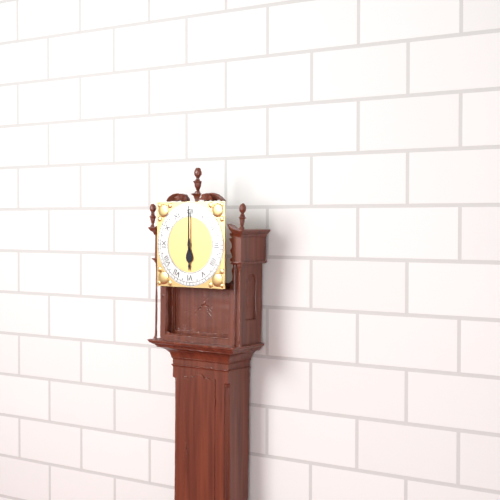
6:00
